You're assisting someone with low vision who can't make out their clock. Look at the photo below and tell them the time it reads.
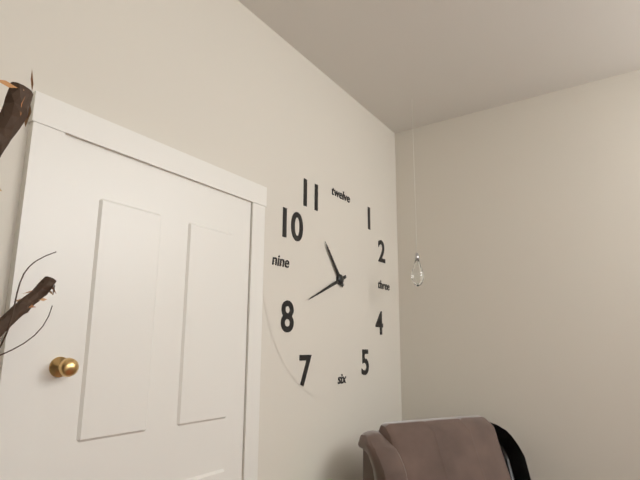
10:41
